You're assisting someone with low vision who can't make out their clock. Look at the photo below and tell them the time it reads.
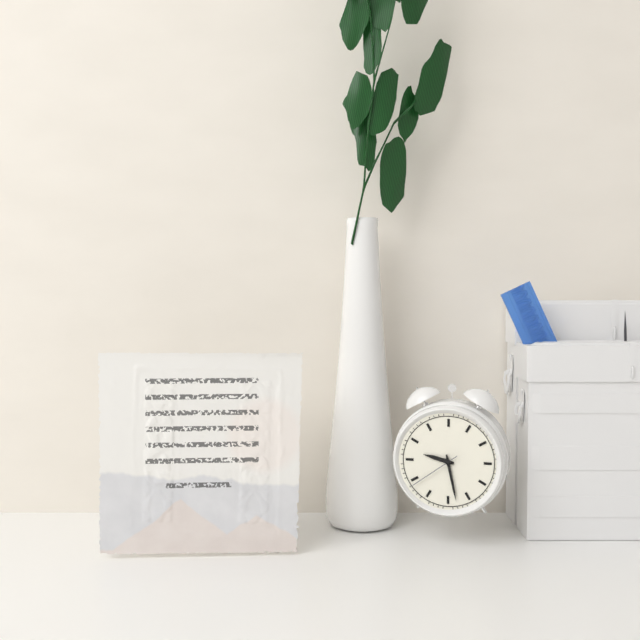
9:28:39
